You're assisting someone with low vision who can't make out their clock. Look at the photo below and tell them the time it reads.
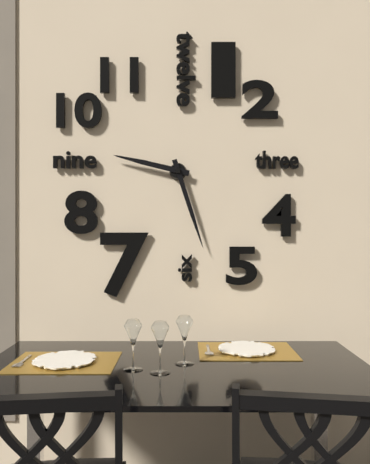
9:27
